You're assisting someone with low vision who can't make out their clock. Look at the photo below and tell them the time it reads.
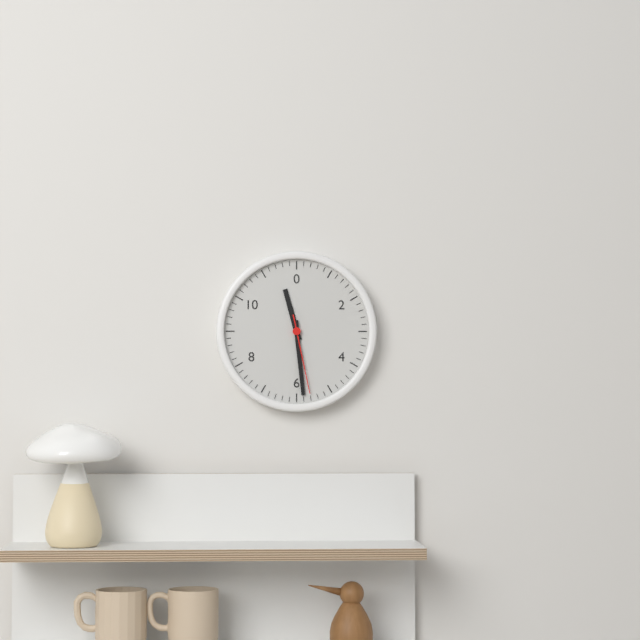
11:29:28
